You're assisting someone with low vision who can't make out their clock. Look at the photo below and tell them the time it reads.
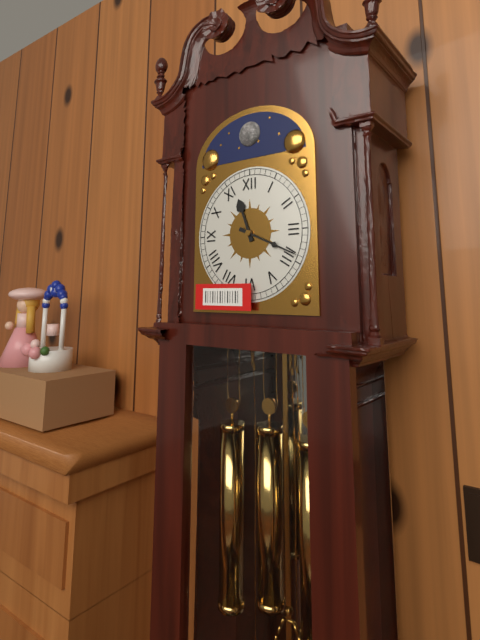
11:19
